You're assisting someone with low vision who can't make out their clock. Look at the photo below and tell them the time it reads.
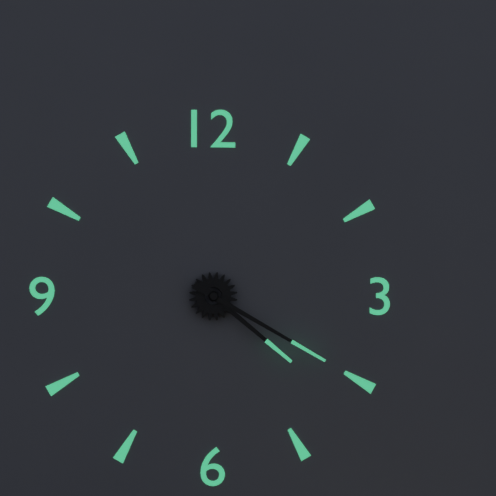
4:20
